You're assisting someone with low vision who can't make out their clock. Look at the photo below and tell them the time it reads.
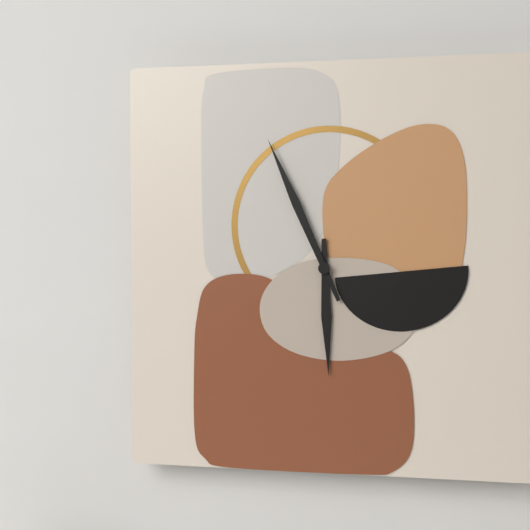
5:56
